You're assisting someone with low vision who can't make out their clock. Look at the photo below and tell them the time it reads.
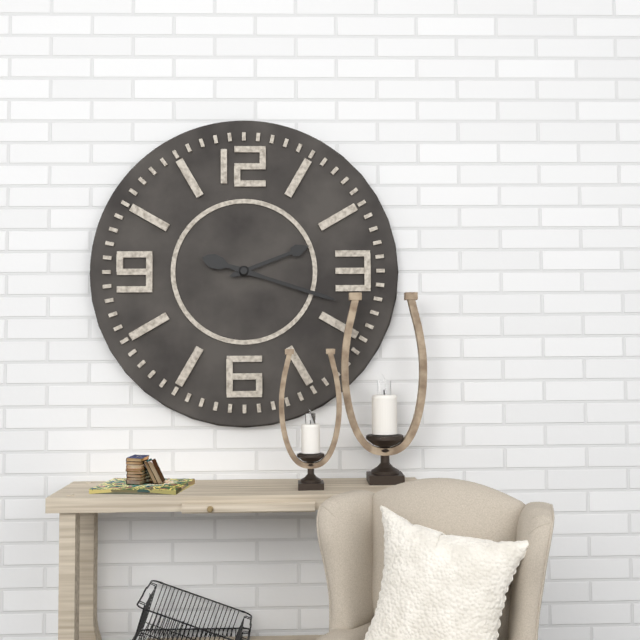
2:18
